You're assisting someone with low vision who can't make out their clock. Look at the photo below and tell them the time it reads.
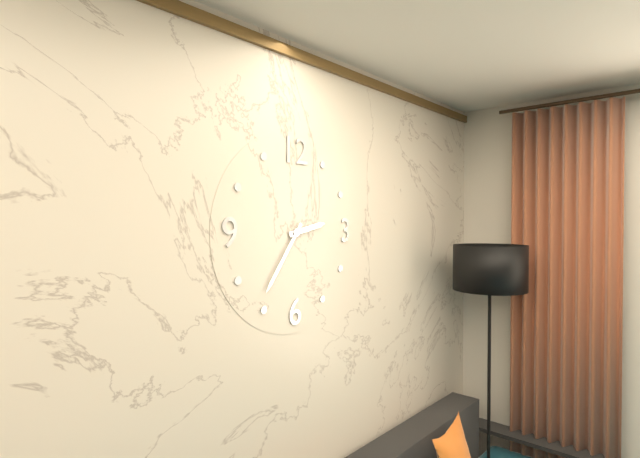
2:36
